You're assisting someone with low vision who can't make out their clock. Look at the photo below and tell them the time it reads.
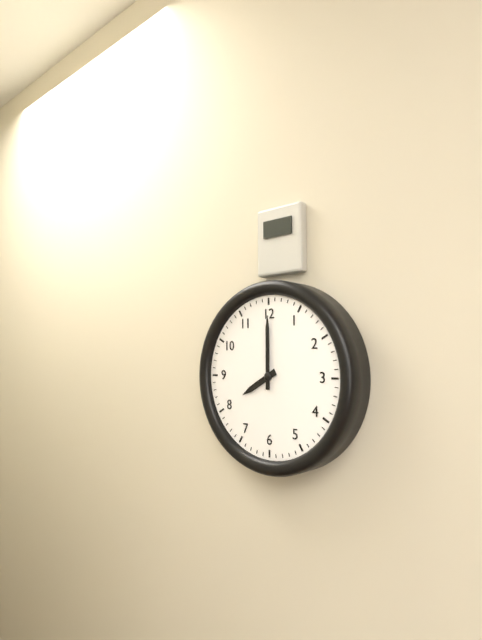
8:00
